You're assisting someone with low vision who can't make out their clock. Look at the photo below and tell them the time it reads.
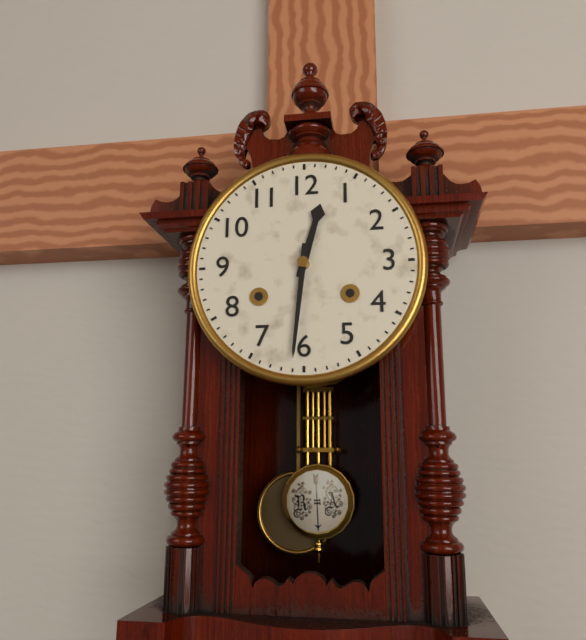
12:31
